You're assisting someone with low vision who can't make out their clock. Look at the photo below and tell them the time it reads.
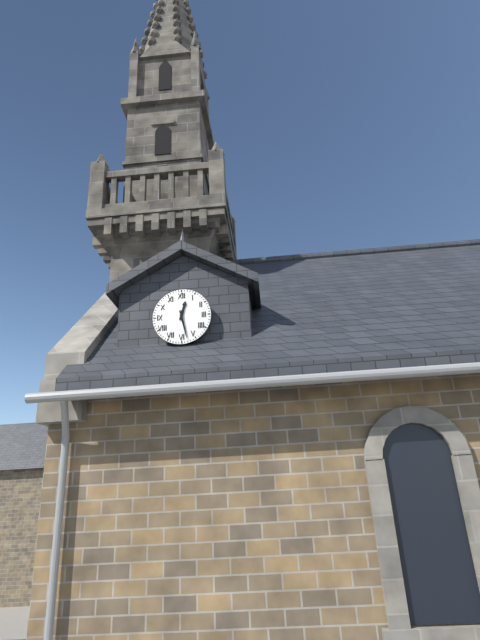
12:28
